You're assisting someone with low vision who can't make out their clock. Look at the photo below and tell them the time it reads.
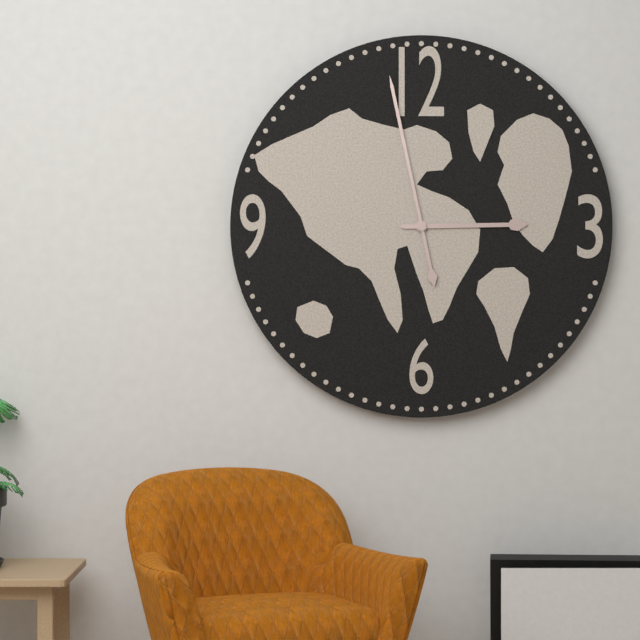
2:58
